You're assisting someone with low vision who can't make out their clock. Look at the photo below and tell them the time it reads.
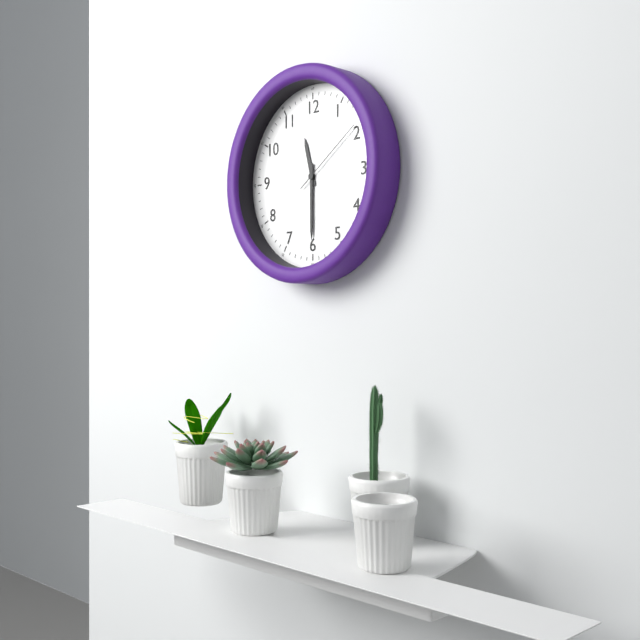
11:30:09
